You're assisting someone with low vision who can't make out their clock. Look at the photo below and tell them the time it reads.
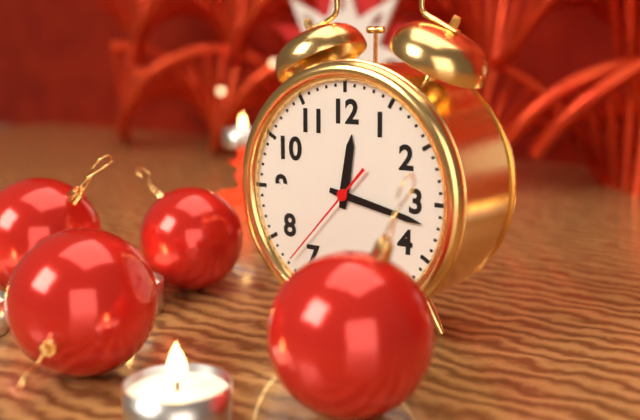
12:17:37
